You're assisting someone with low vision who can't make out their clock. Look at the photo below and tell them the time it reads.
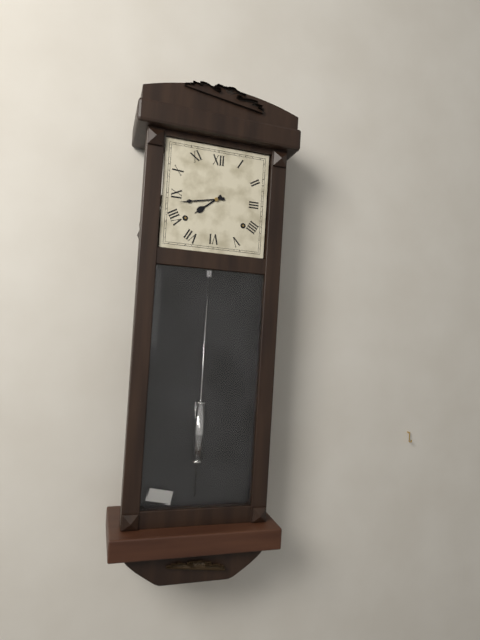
7:43
